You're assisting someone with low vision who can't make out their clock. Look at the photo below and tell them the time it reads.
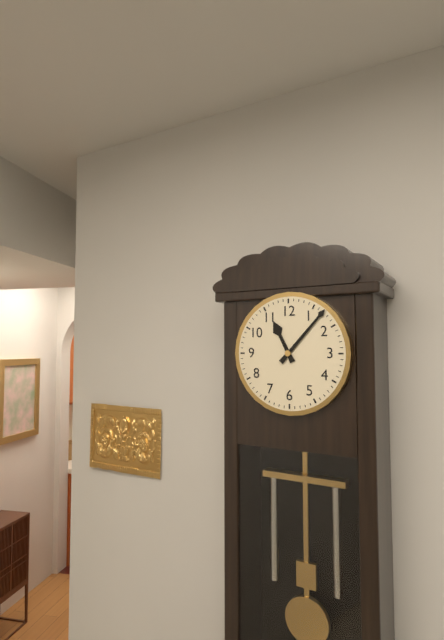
11:07
